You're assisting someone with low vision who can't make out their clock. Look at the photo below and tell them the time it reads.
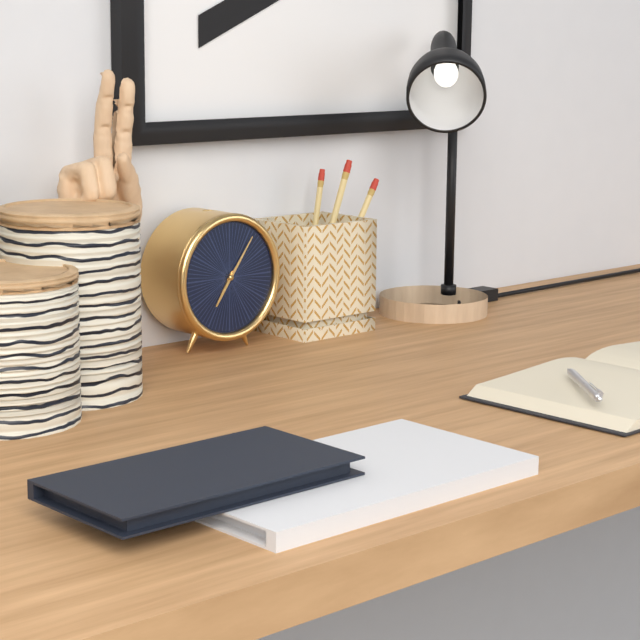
7:06
